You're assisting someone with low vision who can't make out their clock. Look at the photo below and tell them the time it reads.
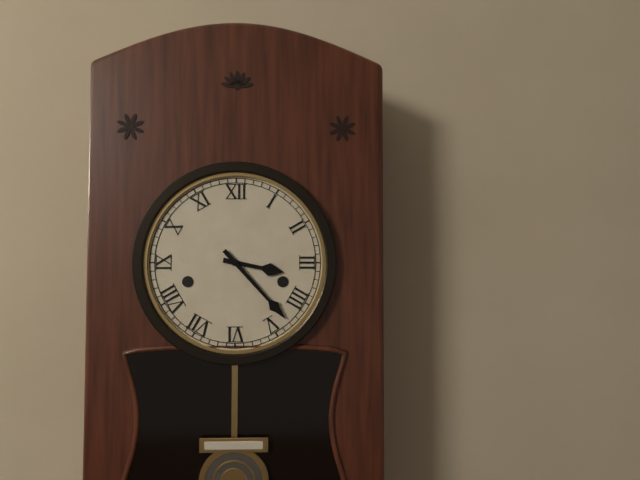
3:23
